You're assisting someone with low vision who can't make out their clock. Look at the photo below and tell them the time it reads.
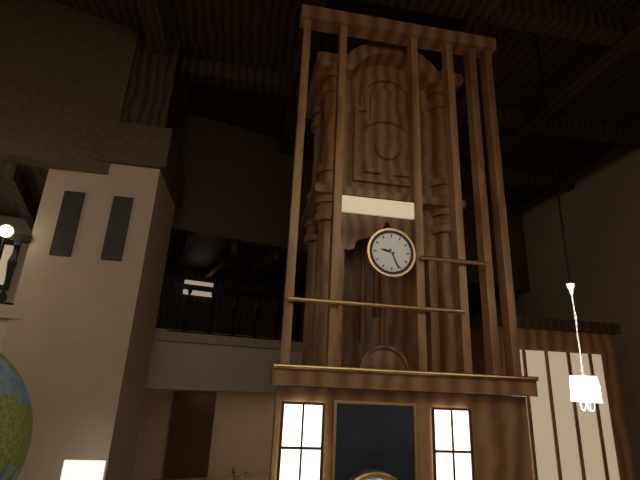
9:26
